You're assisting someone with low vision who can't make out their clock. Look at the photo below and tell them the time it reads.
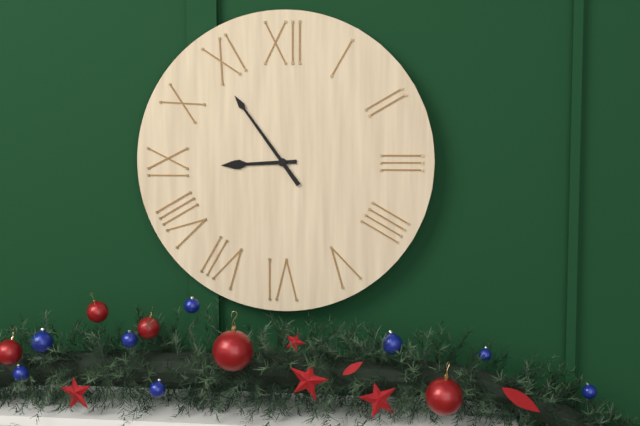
8:54
